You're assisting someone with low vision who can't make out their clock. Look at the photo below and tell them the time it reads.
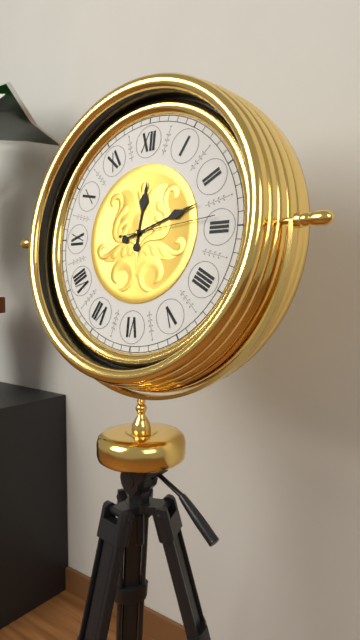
12:12:14
